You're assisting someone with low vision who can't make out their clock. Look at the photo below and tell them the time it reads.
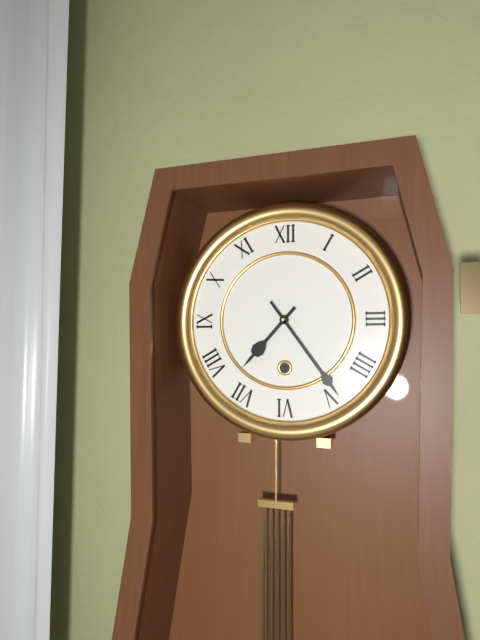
7:24
